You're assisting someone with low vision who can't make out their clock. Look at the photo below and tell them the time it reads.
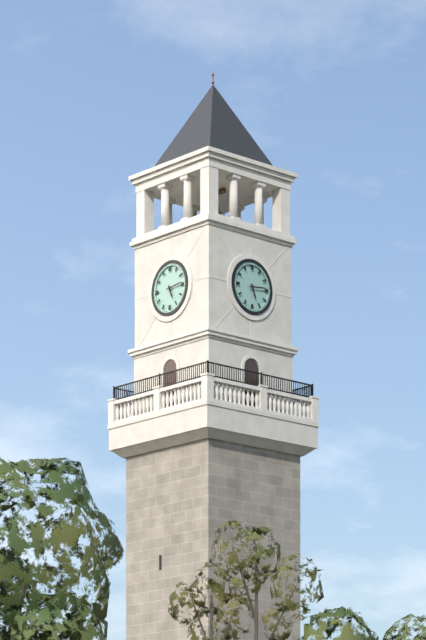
5:14
